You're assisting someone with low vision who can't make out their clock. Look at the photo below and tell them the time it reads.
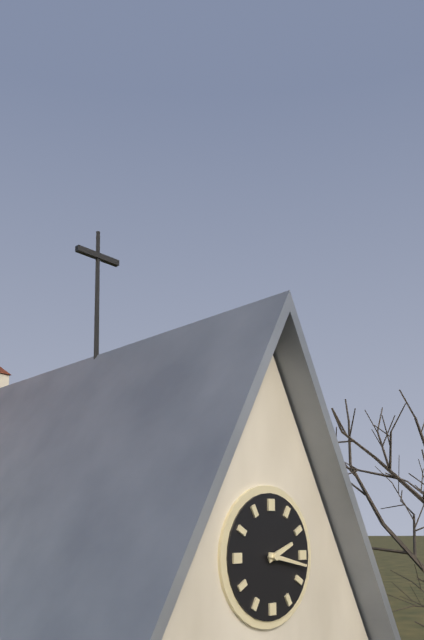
2:17
